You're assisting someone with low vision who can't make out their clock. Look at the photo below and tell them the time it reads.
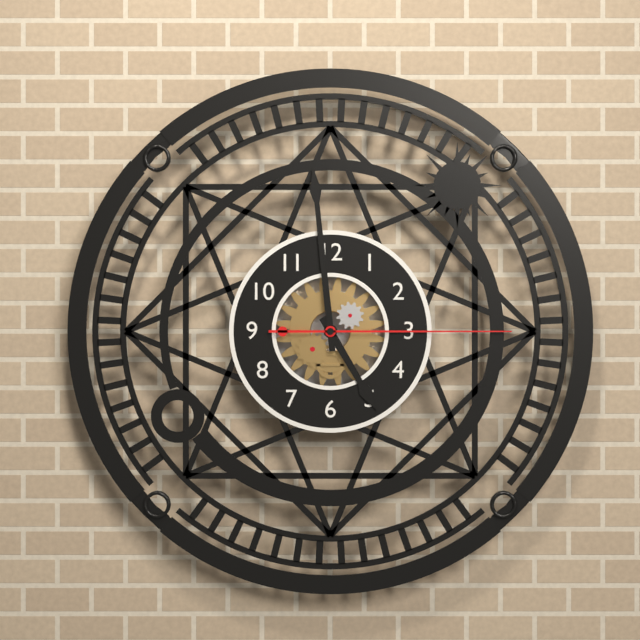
4:59:15
